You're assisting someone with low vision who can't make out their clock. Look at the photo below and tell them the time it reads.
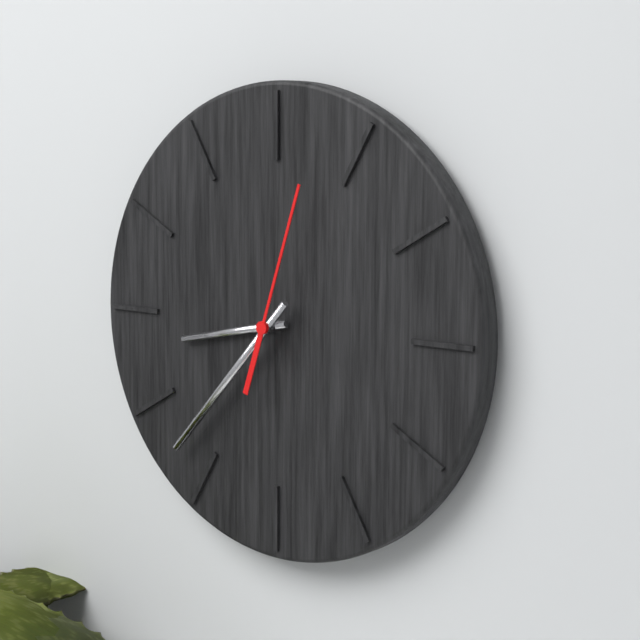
8:37:03
